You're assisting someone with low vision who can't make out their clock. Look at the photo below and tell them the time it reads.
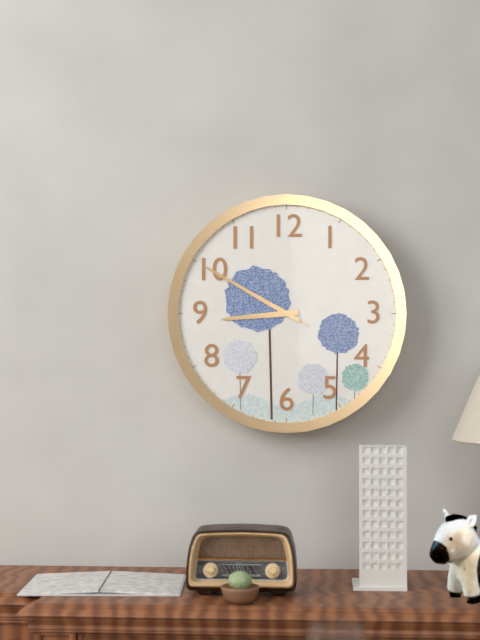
8:50:50
